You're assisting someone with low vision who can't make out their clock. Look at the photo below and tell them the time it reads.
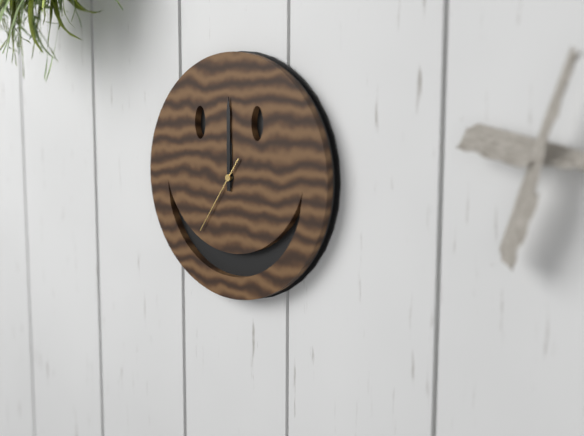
12:00:36
